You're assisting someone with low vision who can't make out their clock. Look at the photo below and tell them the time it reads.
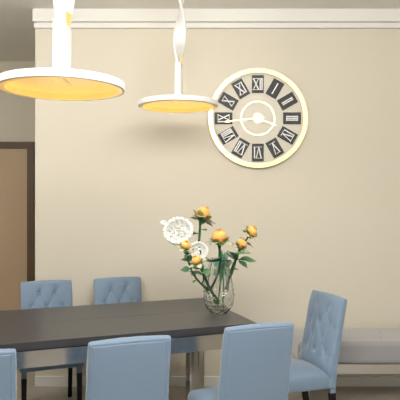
3:44
